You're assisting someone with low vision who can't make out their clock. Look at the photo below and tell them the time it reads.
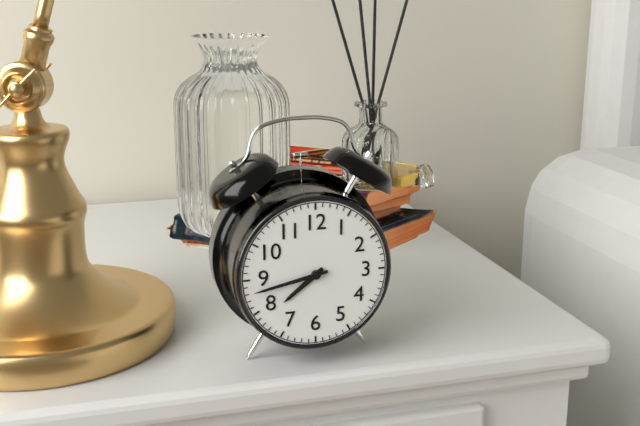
7:43
